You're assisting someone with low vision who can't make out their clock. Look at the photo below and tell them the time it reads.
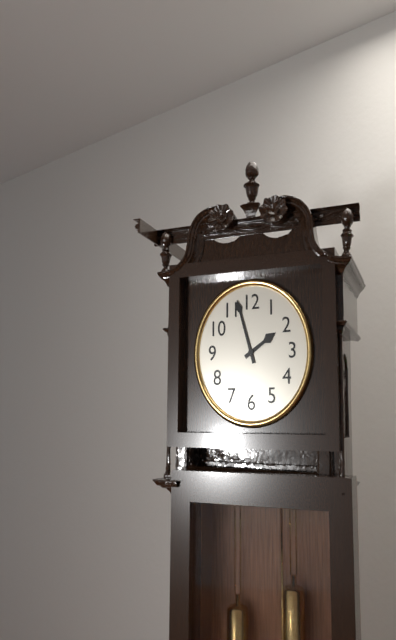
1:57
